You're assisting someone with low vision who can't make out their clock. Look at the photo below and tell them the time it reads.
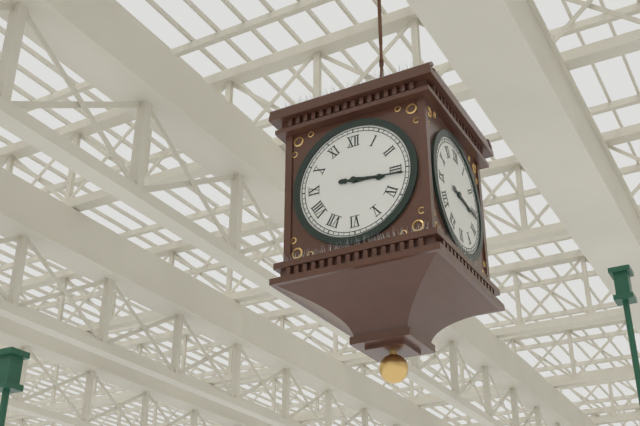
3:16
